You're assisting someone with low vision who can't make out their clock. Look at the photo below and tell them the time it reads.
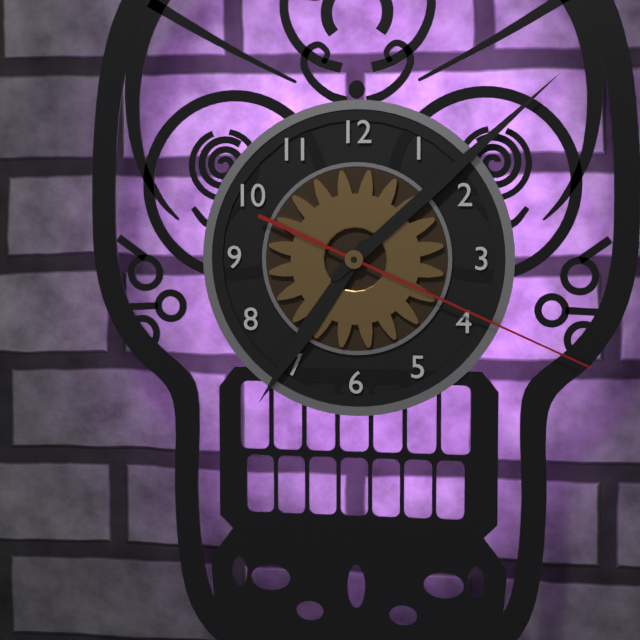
7:08:19
